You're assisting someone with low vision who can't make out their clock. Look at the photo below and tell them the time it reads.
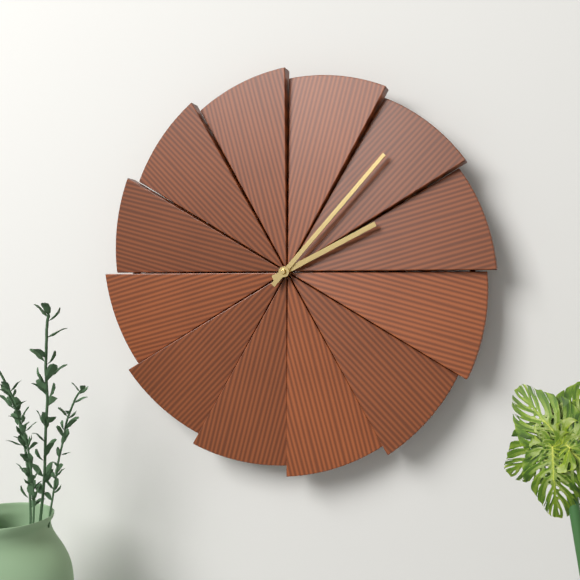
2:07
